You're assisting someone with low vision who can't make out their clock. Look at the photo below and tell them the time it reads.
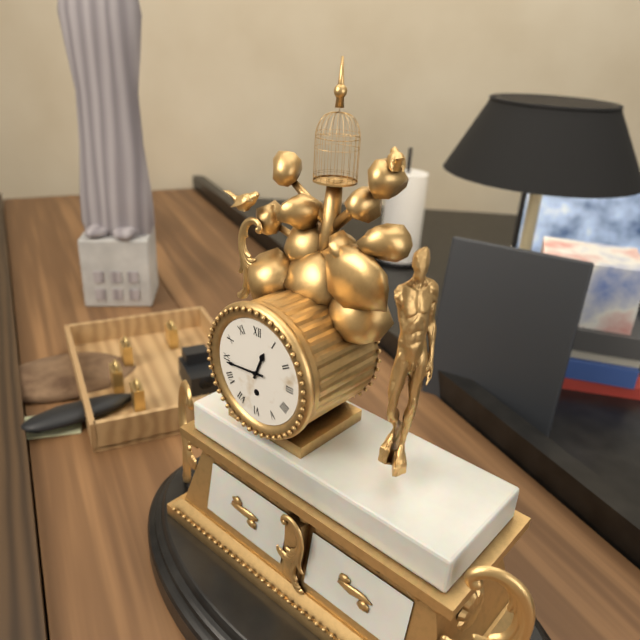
12:44
